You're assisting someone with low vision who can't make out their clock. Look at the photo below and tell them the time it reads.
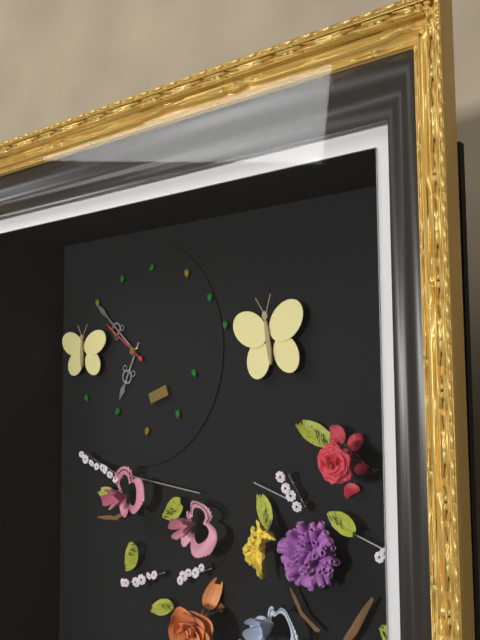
6:52
